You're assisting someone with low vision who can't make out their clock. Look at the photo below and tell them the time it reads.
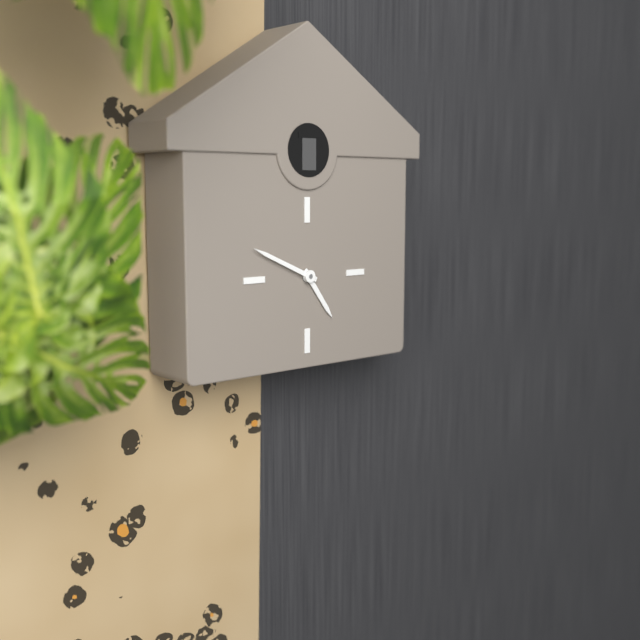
4:49
